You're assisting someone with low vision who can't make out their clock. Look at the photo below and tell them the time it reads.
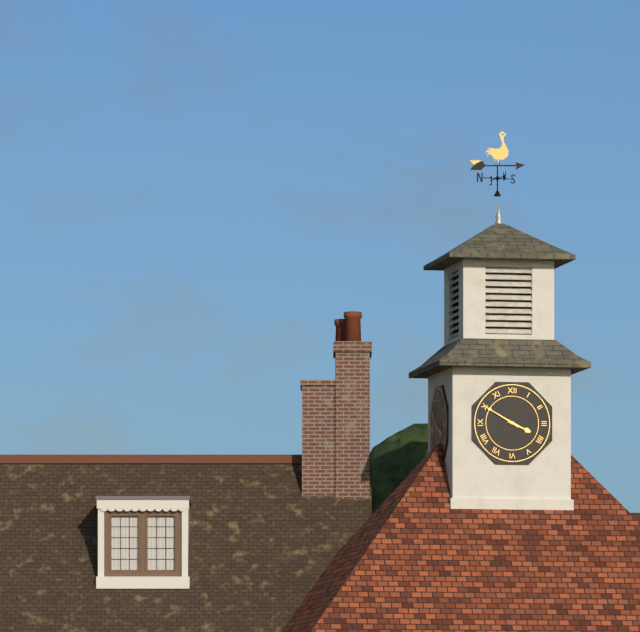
3:50
